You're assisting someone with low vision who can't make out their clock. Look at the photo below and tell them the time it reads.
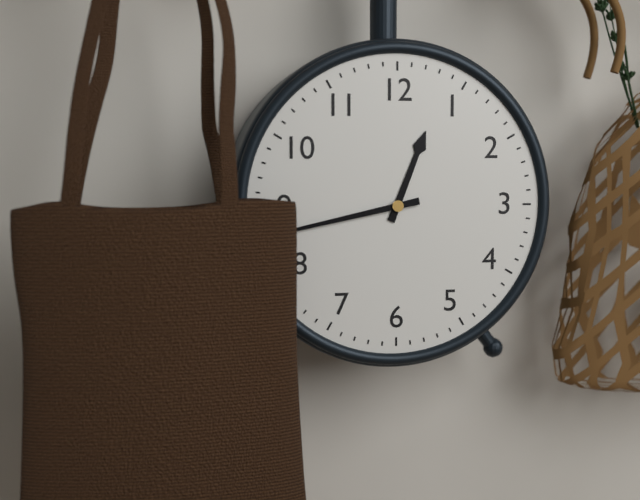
12:43
